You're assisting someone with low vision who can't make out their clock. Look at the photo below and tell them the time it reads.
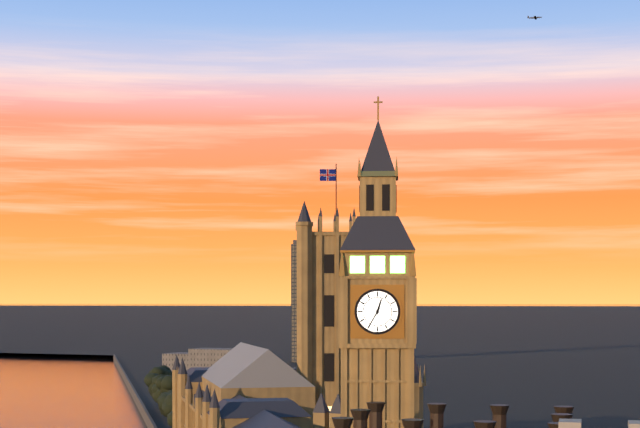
12:35
